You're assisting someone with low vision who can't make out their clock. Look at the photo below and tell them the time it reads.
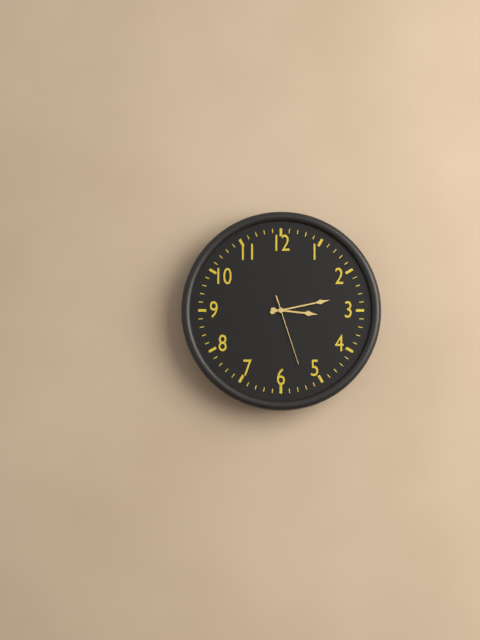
3:13:27
